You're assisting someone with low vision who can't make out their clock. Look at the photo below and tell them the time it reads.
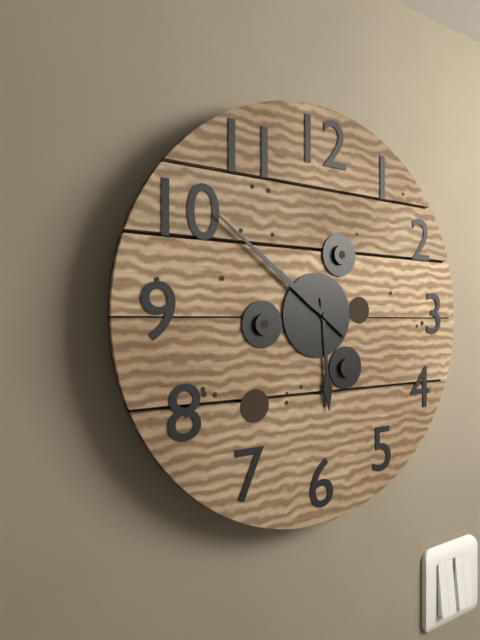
5:51
